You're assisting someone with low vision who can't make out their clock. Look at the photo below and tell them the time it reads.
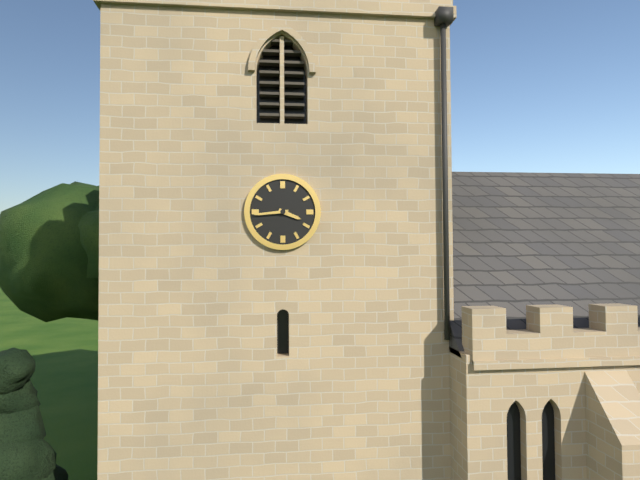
3:44
